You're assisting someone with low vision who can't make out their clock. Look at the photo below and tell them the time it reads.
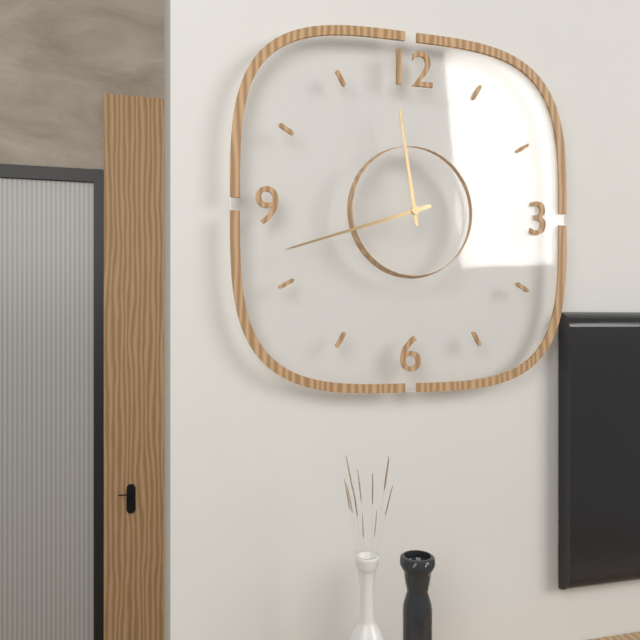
11:42
